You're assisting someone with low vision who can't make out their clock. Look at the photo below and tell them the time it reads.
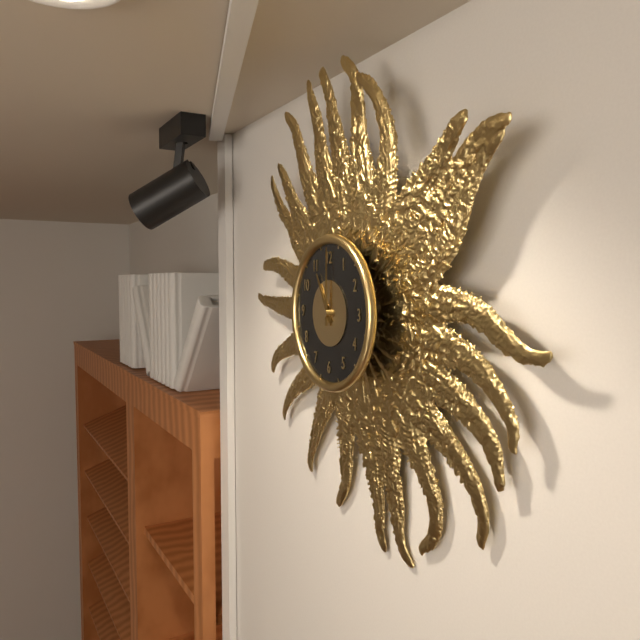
11:00
